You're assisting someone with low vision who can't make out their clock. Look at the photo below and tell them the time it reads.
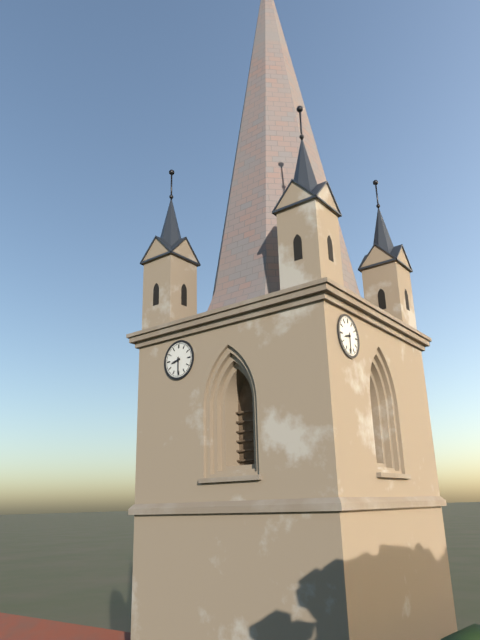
8:30
